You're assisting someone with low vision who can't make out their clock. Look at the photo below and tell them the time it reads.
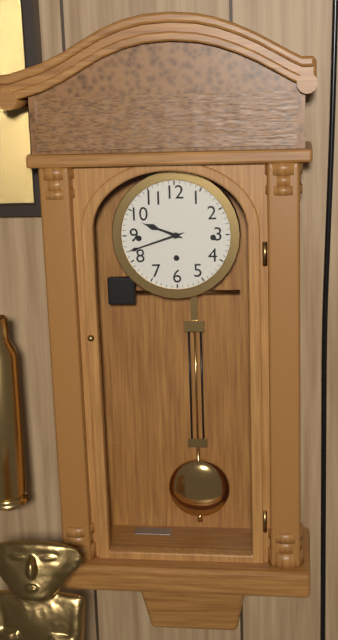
9:42
